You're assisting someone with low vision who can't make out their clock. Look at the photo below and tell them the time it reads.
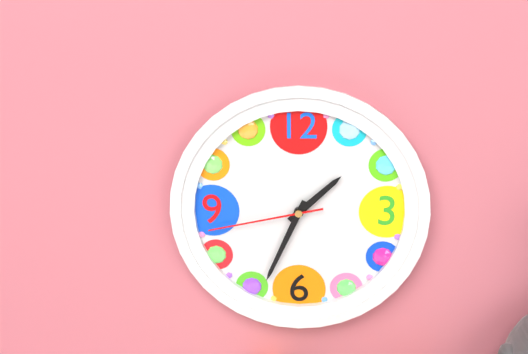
1:34:43
